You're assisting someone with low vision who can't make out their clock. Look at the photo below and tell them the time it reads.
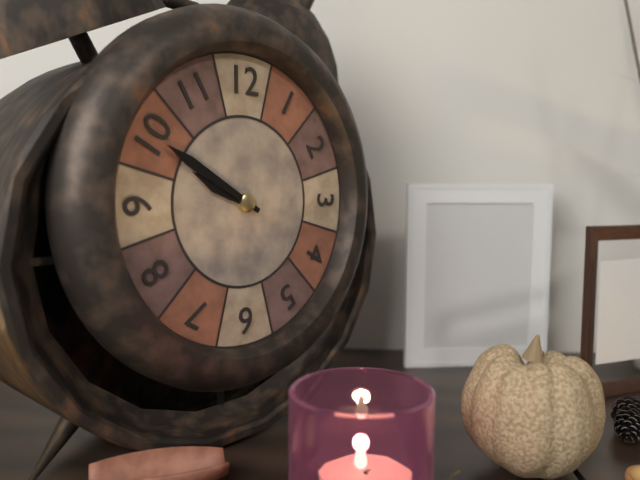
9:50
